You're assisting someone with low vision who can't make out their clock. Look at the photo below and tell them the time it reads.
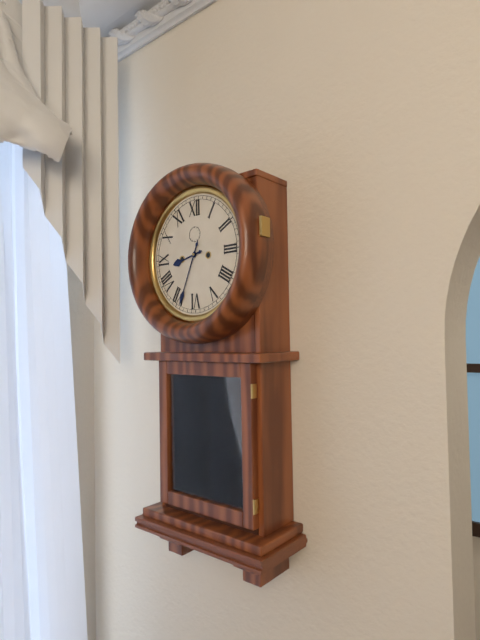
8:34
